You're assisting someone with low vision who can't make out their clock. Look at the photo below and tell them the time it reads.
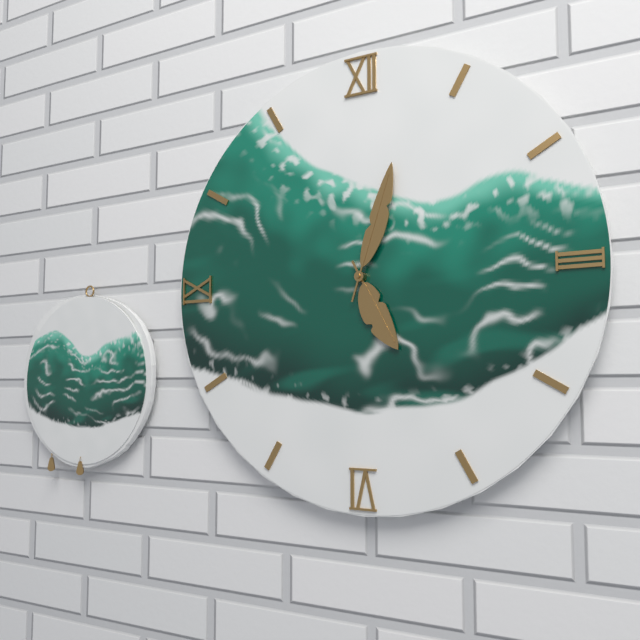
5:03
